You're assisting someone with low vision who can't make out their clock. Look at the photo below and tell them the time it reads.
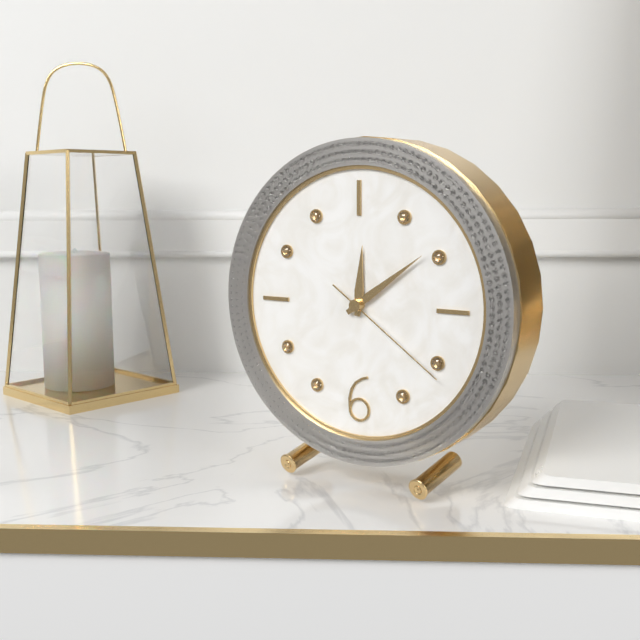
12:09:21
